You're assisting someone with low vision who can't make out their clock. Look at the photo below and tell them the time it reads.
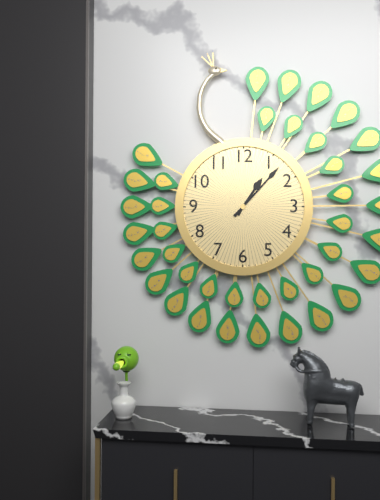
1:07
